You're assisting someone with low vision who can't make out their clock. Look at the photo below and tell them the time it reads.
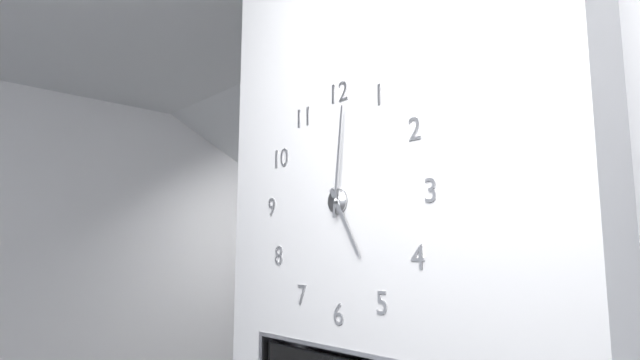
5:01
